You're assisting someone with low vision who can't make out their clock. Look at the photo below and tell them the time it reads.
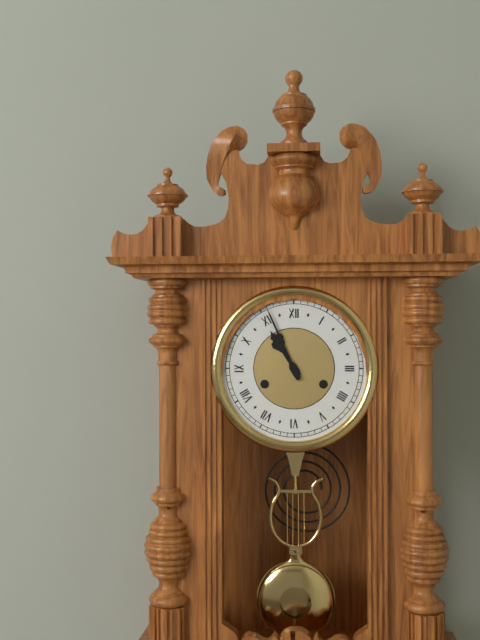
10:56
